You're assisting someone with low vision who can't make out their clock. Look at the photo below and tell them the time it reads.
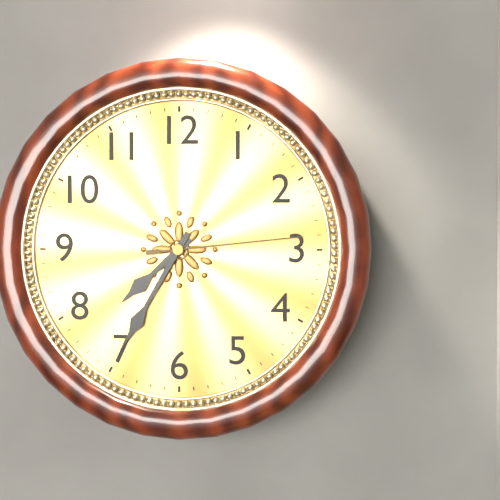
7:35:14
